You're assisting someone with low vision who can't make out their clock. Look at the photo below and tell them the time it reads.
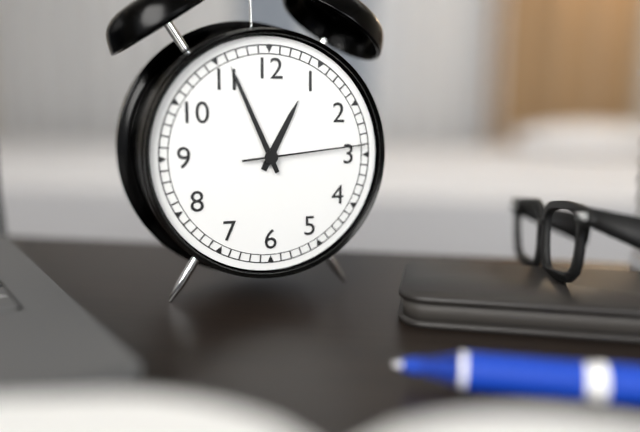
12:56:14
